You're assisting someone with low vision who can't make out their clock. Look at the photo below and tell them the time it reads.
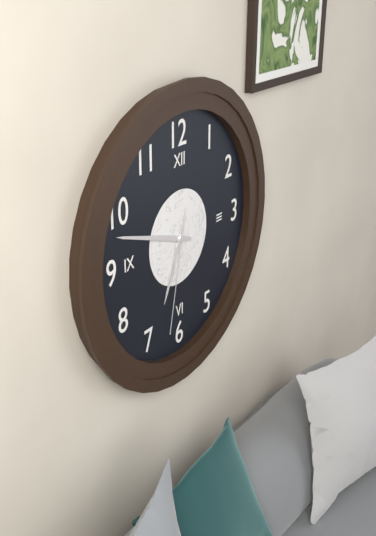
6:48:32
